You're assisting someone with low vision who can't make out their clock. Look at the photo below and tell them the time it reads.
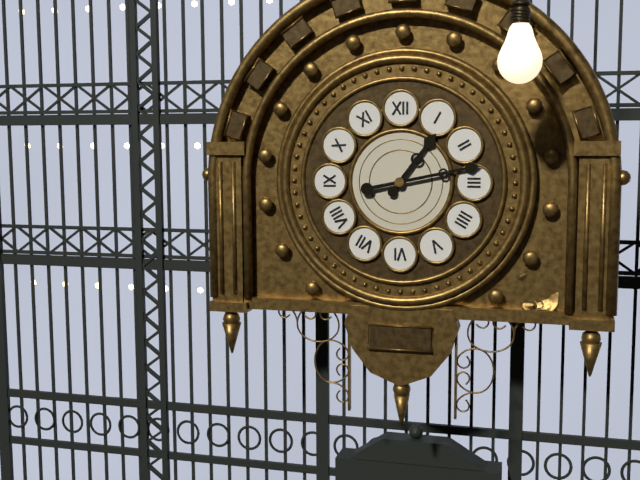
1:13
